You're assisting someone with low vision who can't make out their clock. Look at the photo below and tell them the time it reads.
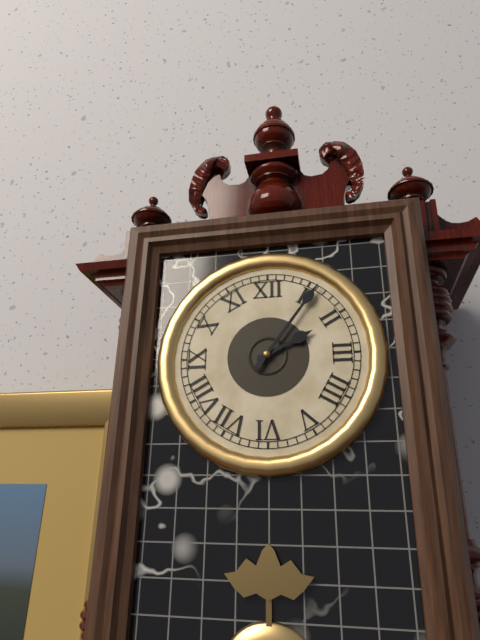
2:06
